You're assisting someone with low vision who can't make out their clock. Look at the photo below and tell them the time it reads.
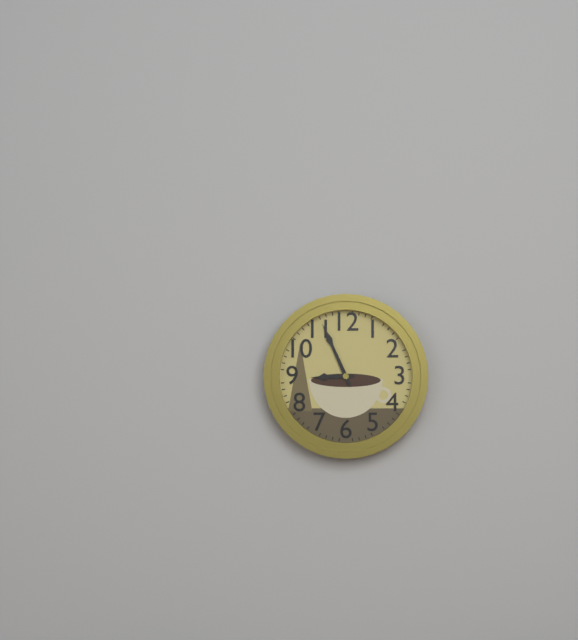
8:56
